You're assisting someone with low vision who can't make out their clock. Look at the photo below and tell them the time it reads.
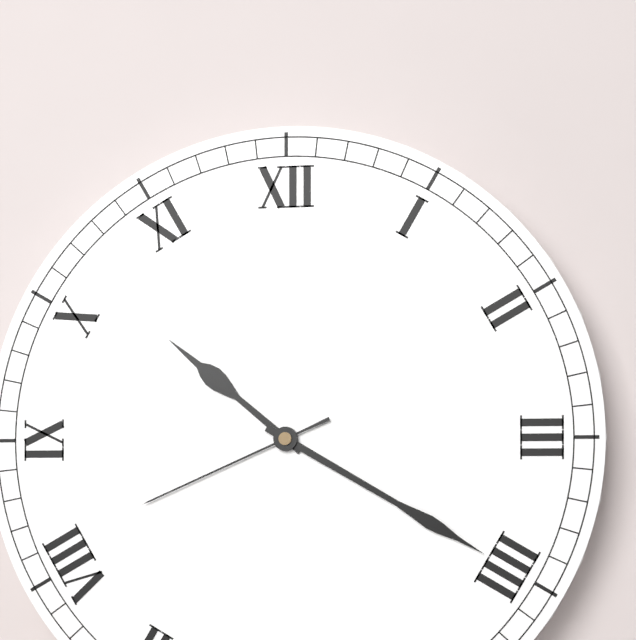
10:20:41
